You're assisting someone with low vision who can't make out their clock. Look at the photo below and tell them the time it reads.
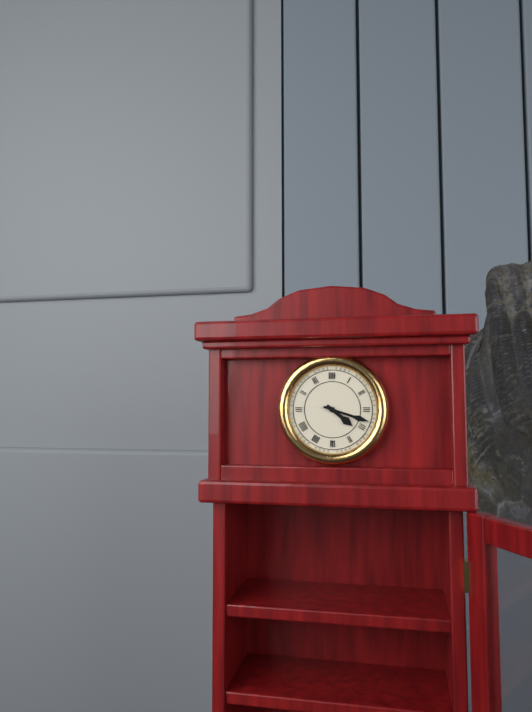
4:18
